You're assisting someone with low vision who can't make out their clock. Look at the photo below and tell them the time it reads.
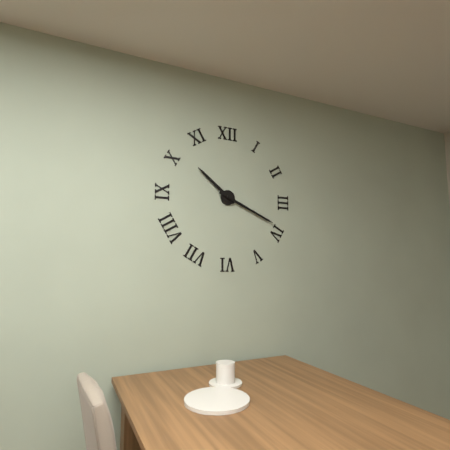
10:19
